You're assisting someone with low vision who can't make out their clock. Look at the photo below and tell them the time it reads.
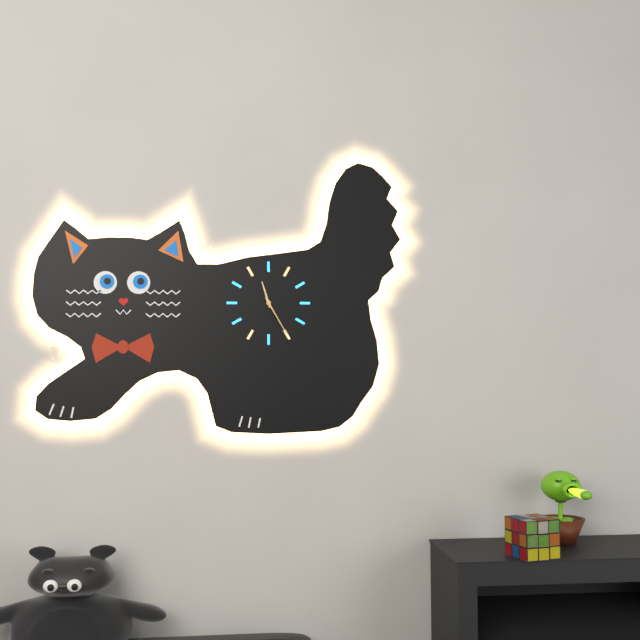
11:25
